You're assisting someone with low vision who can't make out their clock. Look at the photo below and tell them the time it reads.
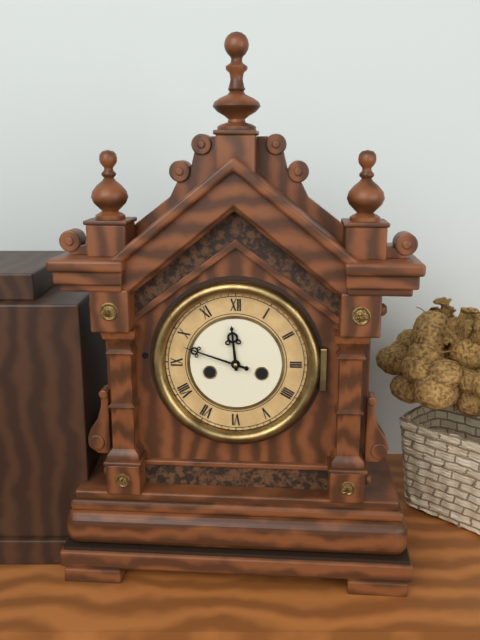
11:48
